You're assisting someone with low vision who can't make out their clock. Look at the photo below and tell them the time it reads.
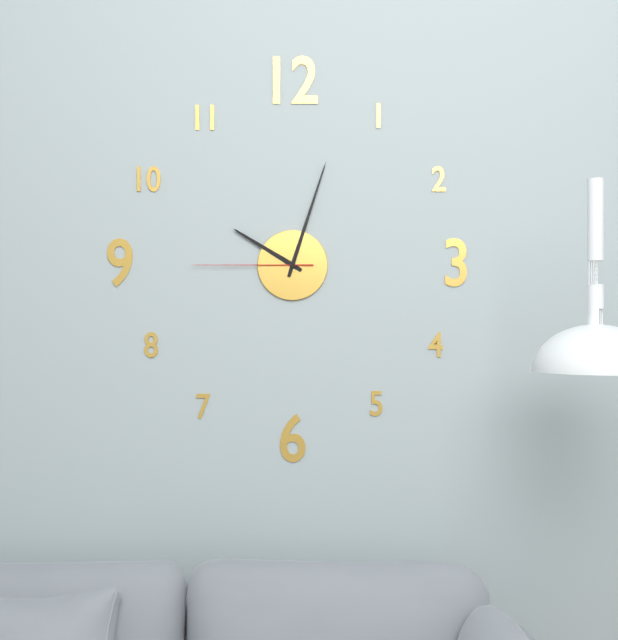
10:03:45
